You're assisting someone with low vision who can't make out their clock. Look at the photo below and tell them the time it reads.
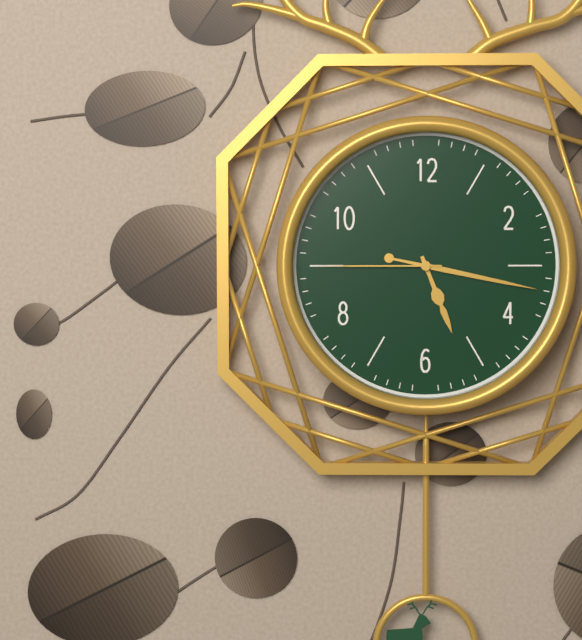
5:17:45
